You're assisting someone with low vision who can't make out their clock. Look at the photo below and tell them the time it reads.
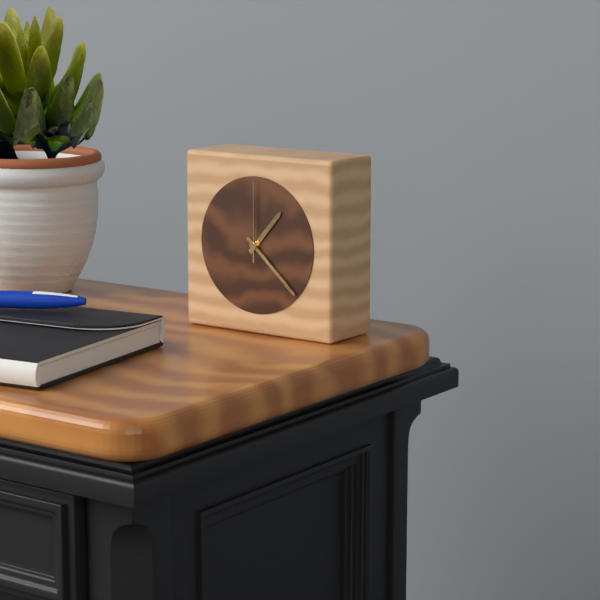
1:22:00
